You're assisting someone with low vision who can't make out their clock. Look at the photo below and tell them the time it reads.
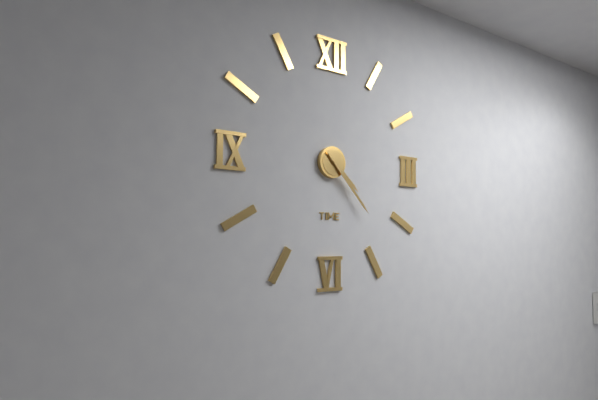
4:23
